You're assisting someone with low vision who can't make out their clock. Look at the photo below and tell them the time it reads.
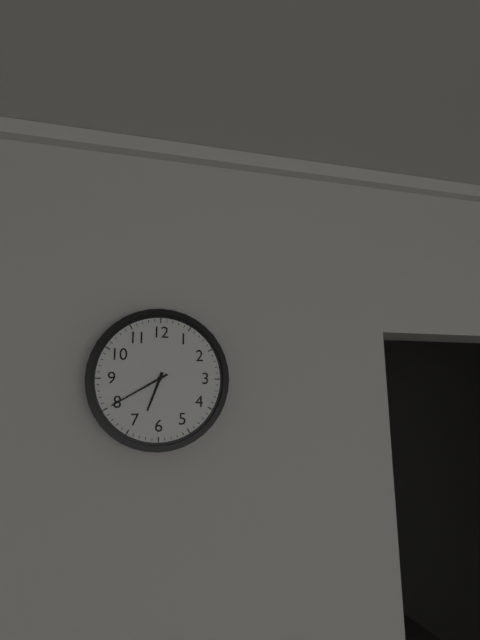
6:40
